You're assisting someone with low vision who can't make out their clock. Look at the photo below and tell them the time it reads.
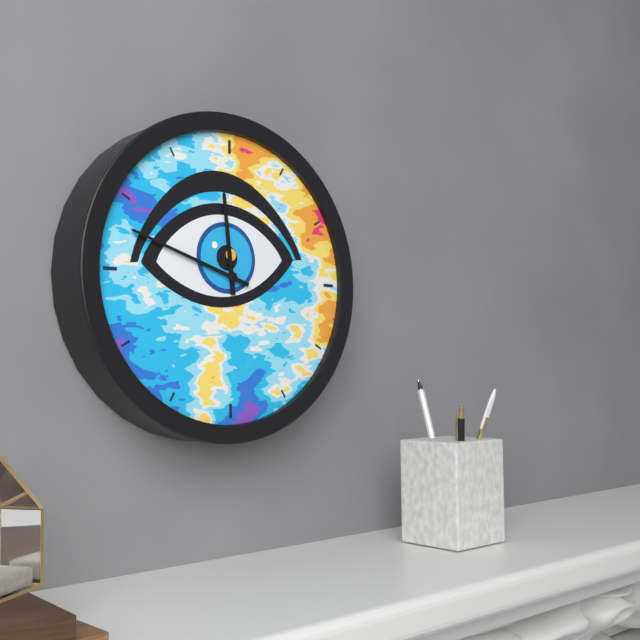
11:48
